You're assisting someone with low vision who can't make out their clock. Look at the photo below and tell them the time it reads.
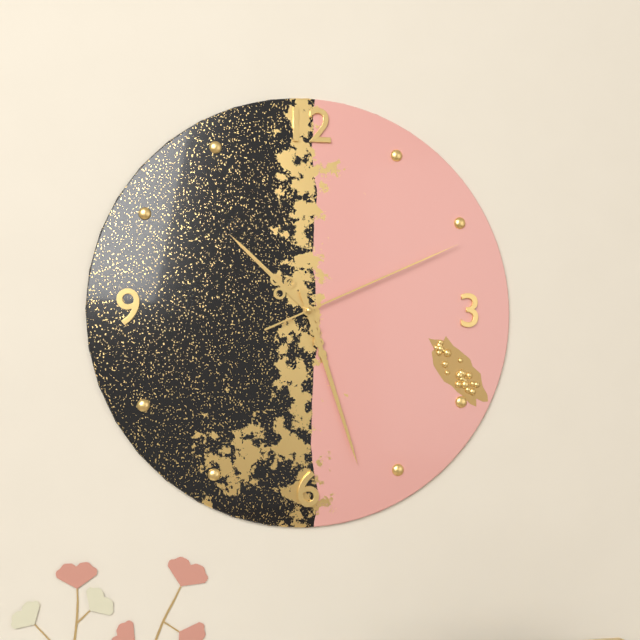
10:27:11
